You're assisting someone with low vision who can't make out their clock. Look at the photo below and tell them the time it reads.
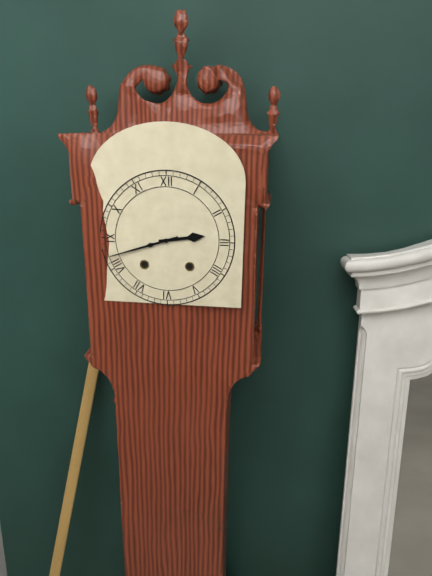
2:42
